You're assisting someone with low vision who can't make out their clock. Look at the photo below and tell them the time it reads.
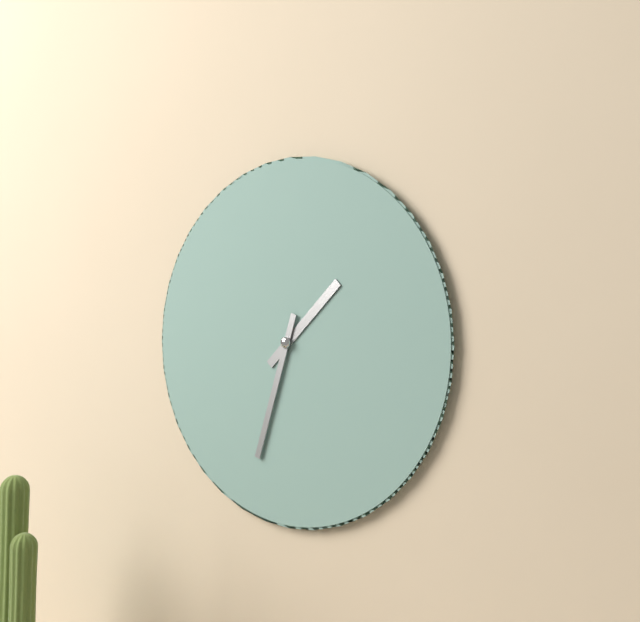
1:33
